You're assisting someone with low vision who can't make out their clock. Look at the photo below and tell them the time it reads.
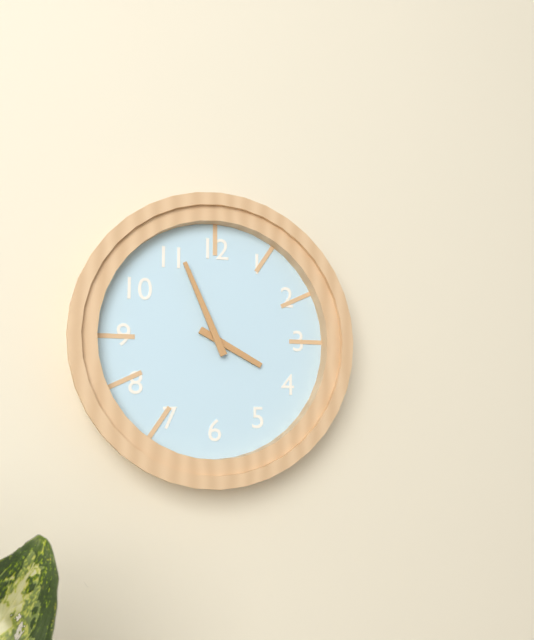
3:56
